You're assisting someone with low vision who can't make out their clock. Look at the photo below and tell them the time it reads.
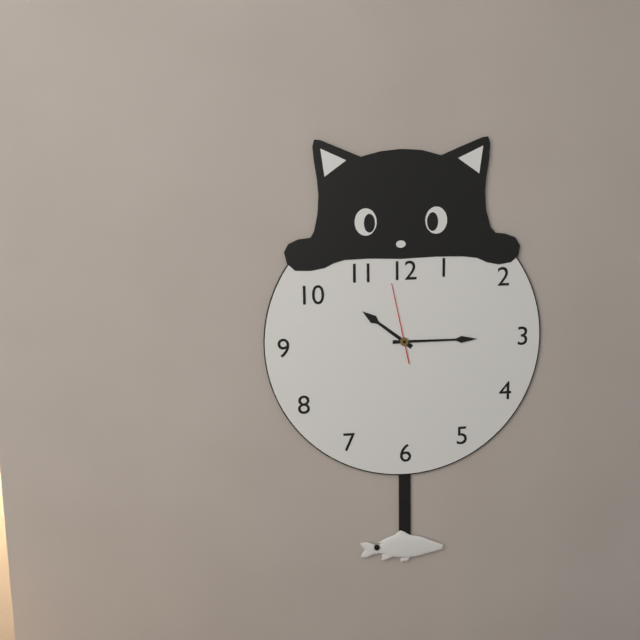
10:15:58
